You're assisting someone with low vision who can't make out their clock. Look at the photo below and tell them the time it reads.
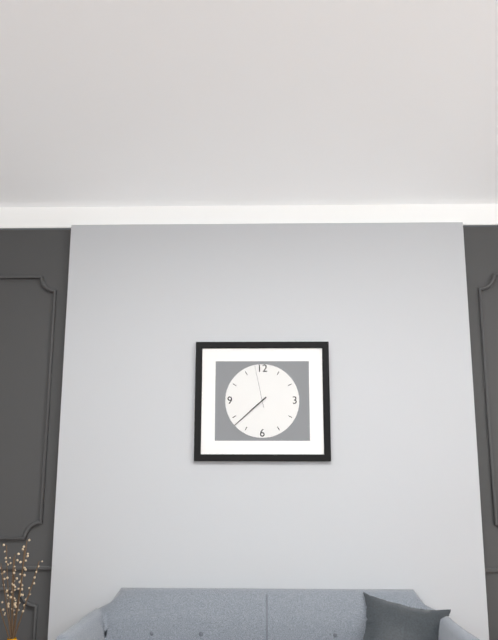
7:38
